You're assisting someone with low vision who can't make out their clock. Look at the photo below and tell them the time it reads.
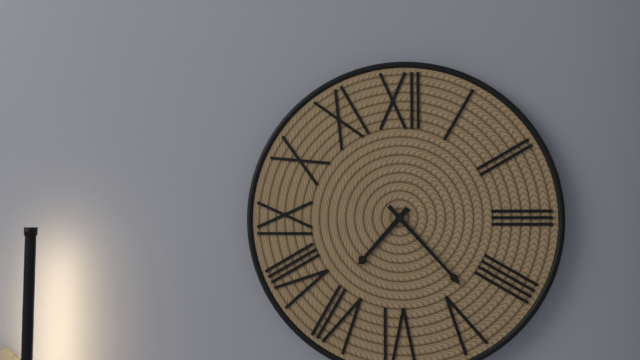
7:23
